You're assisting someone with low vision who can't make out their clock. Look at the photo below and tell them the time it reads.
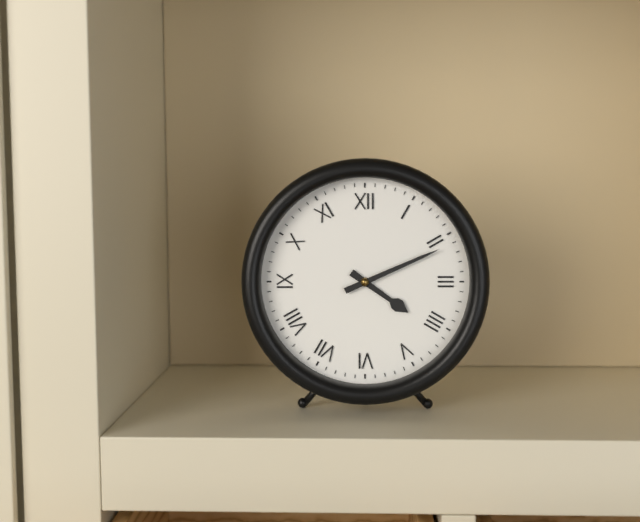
4:11
